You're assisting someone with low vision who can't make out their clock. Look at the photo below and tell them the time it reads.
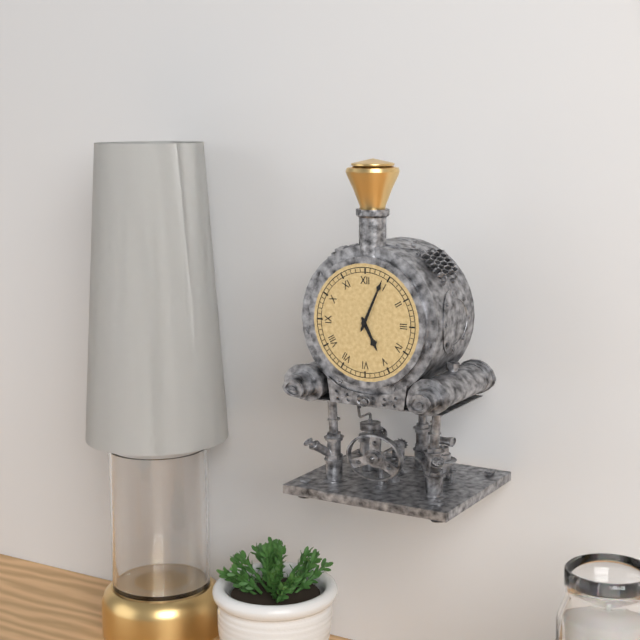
5:04
